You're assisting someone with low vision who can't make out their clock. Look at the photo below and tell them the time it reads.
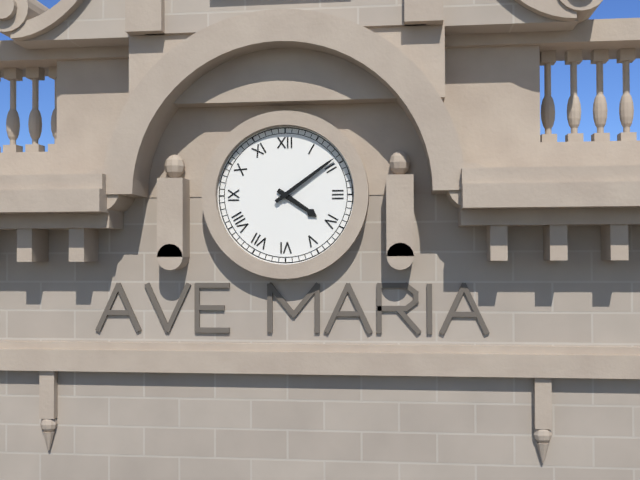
4:09
